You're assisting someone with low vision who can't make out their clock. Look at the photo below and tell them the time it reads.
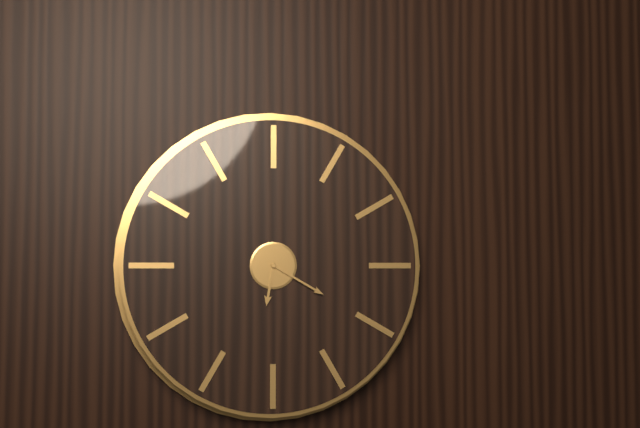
6:20
